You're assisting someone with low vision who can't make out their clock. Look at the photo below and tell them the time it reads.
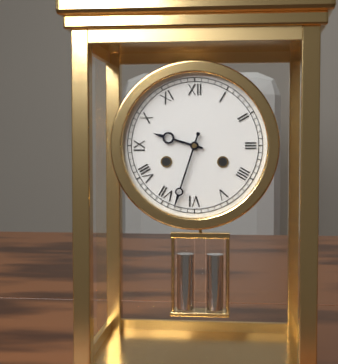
9:33
